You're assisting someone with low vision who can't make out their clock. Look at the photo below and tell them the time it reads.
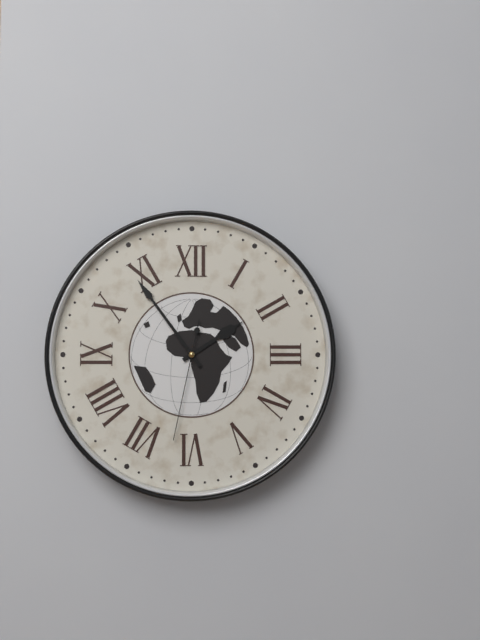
1:54:32
